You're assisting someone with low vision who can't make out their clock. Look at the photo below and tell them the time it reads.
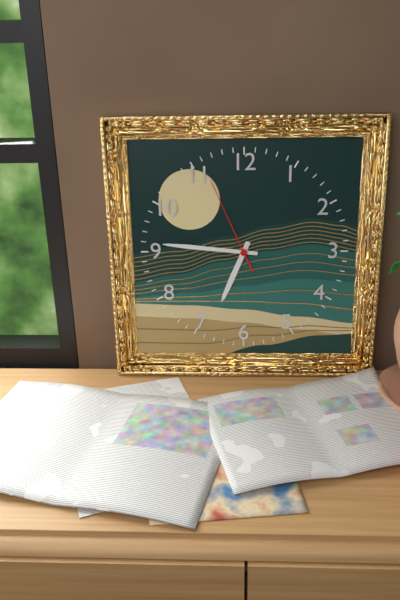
6:46:56
